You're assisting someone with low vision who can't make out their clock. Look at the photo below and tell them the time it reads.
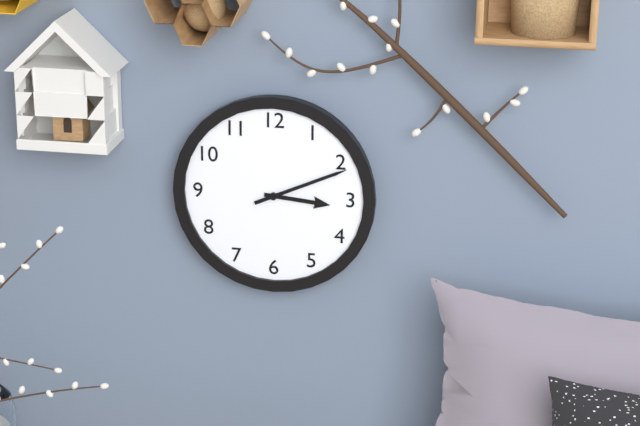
3:11
